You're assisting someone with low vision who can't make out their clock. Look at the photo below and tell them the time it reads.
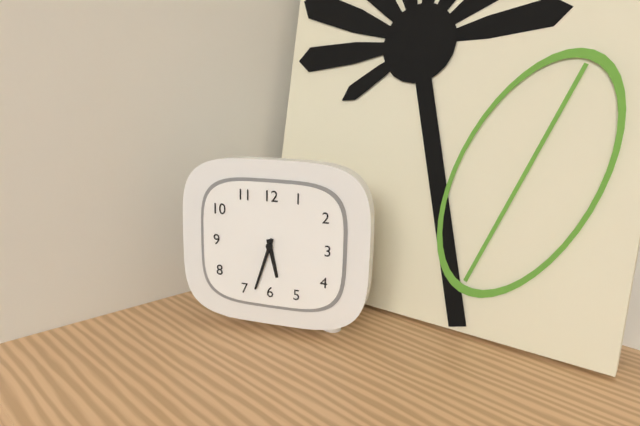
5:33
